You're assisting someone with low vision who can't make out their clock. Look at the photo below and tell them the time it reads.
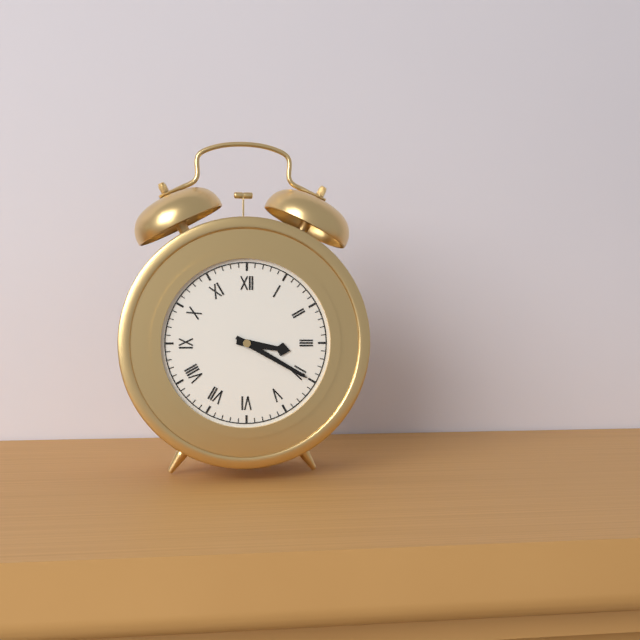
3:20
